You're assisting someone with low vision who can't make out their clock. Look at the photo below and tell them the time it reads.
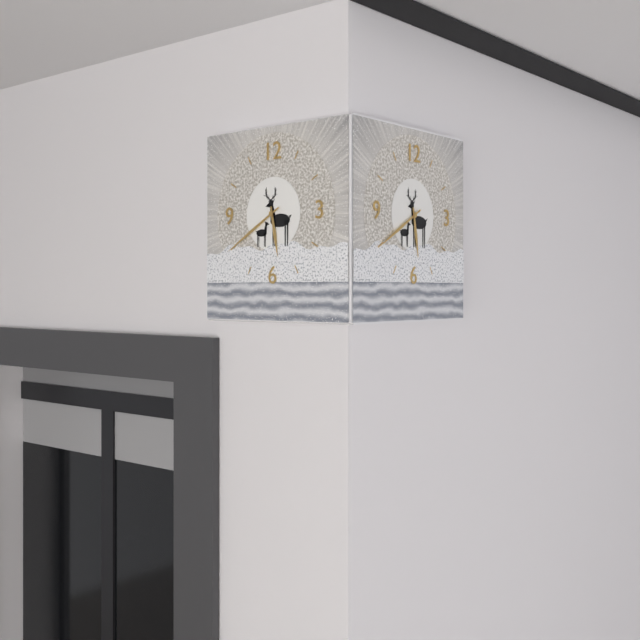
5:40
